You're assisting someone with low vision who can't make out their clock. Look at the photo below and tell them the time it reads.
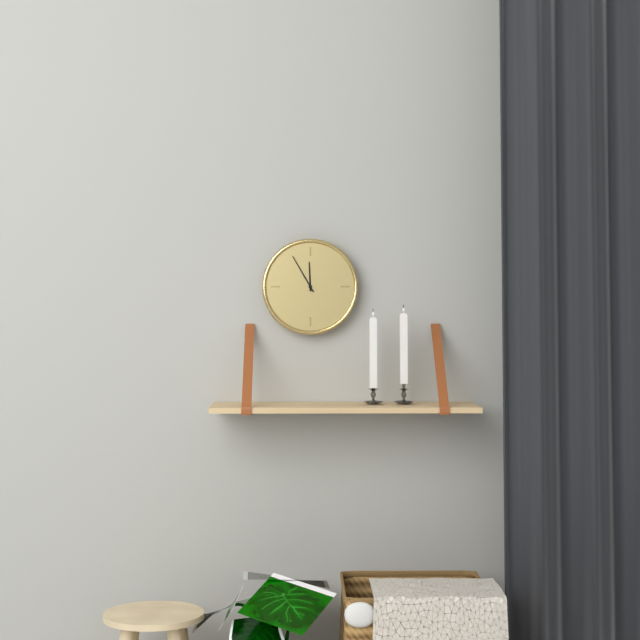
11:55
